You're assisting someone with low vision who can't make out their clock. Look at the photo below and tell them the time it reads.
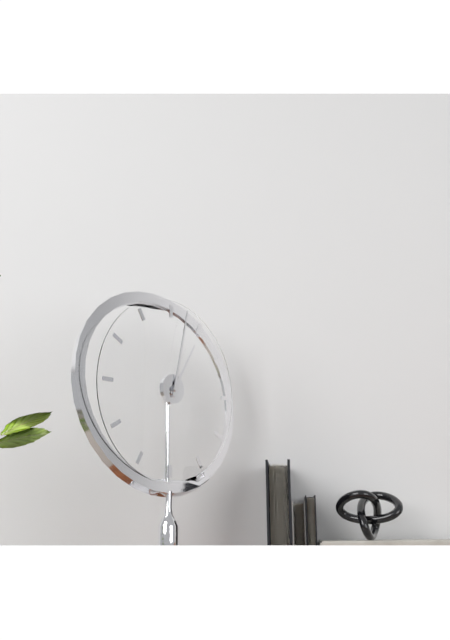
1:02
